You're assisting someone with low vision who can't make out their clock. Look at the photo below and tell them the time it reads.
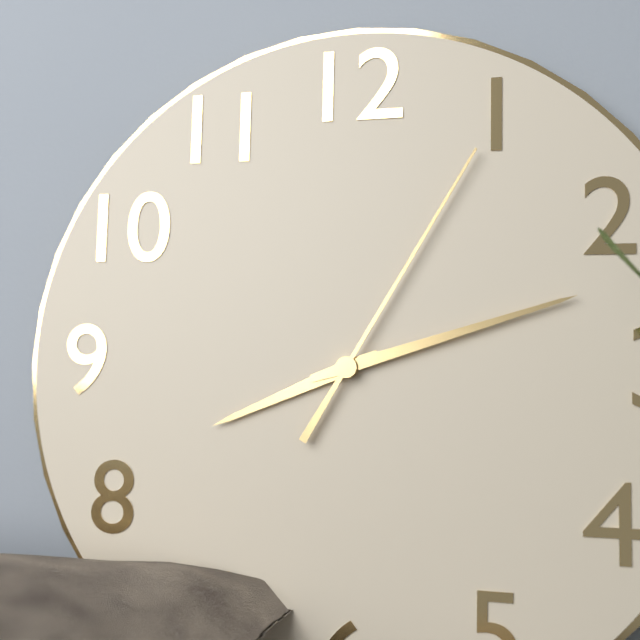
8:12:05
